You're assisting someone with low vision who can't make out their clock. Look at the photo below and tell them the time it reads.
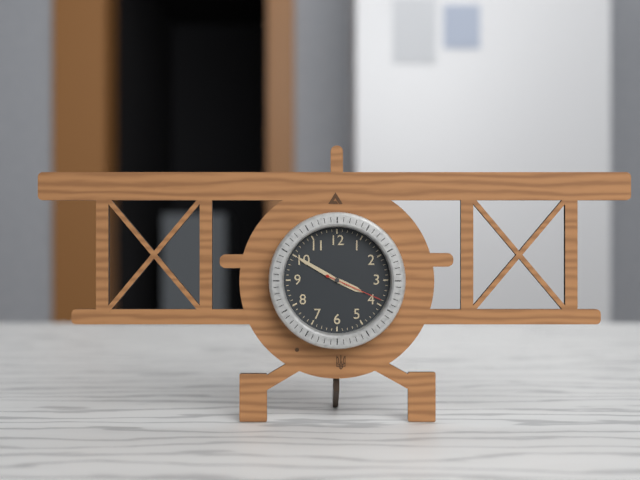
3:50:19
